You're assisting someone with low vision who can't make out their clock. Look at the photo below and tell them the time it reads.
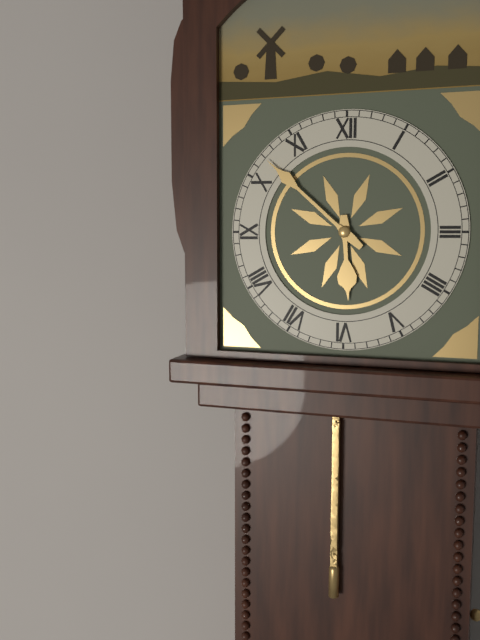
5:52
